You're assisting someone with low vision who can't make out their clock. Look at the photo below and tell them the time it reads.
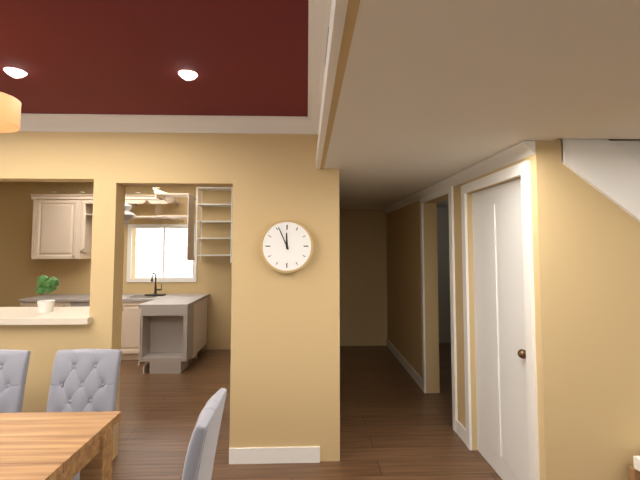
11:56
